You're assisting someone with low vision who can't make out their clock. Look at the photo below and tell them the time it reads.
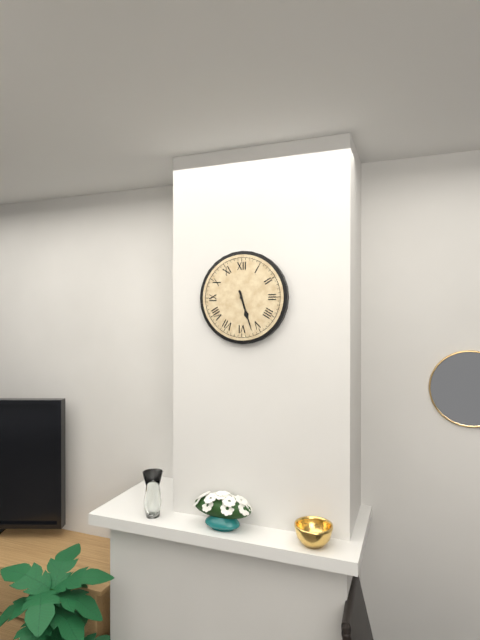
5:27
